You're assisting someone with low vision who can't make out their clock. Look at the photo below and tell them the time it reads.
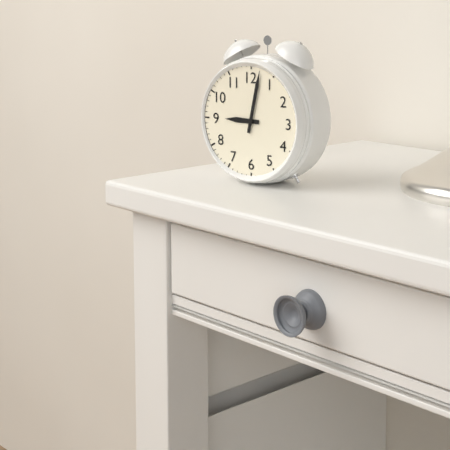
9:02
